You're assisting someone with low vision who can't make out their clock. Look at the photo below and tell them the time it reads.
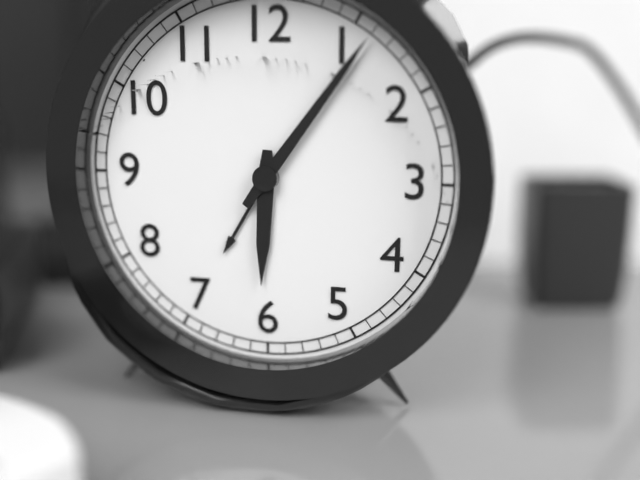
6:06
